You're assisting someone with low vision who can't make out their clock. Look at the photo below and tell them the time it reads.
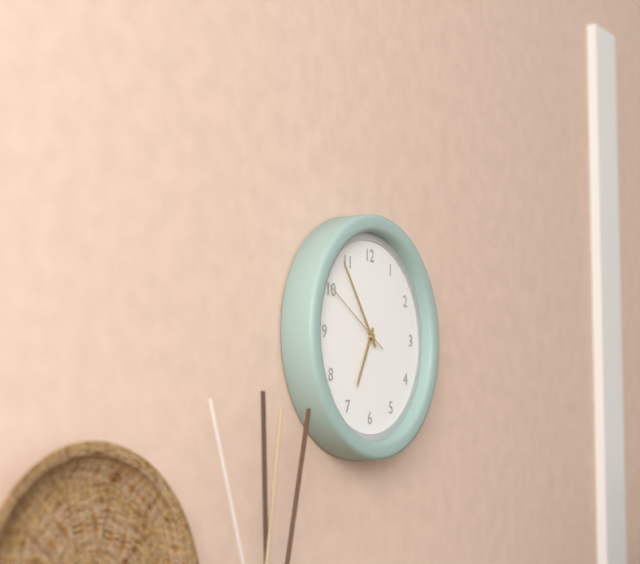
6:54:50
